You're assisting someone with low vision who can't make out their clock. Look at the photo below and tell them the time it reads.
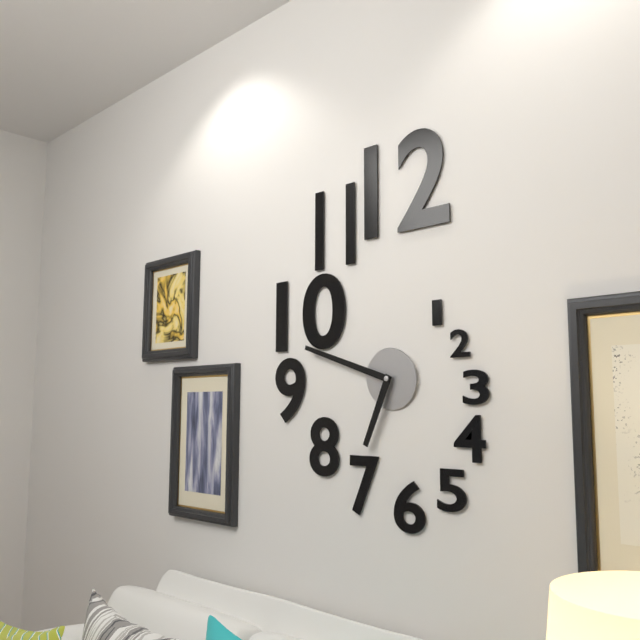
6:48
